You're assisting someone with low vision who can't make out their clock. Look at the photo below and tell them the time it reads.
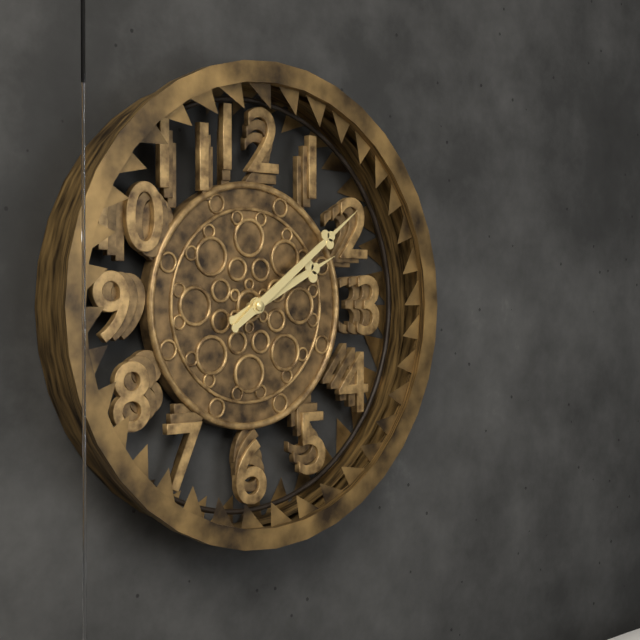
2:09
